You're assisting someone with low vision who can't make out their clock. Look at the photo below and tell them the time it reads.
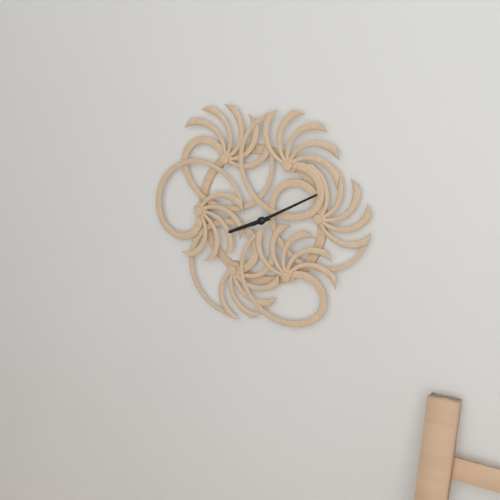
8:10
